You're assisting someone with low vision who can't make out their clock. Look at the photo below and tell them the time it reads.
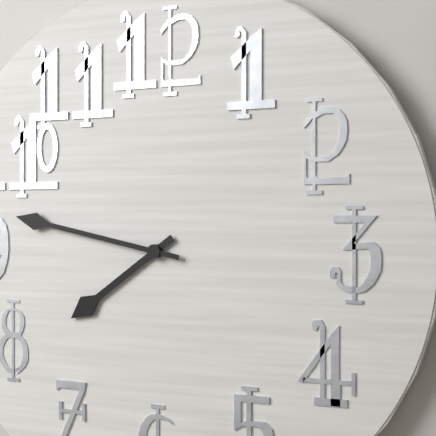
7:47
